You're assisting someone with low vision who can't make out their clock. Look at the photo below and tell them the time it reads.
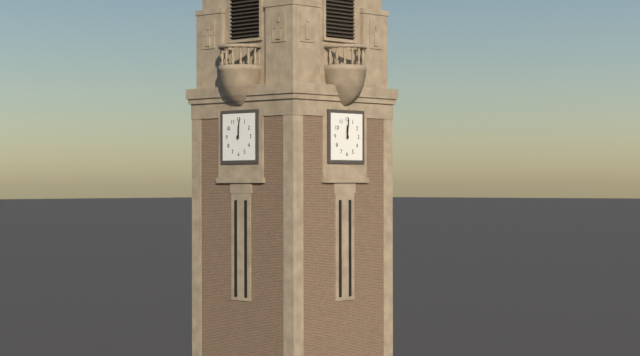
12:01
